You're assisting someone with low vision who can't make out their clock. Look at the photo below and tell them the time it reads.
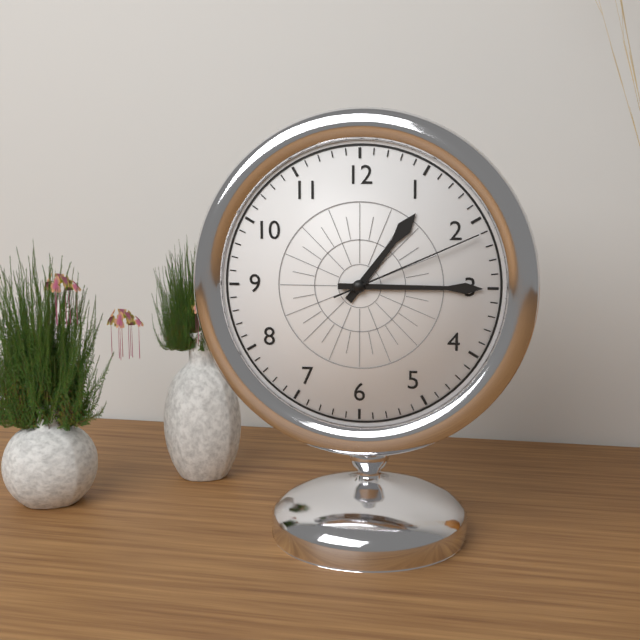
1:15:11
